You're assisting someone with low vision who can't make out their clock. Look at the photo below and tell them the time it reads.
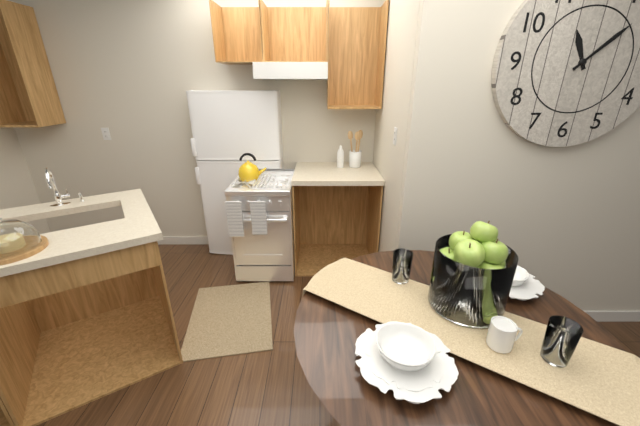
11:08
